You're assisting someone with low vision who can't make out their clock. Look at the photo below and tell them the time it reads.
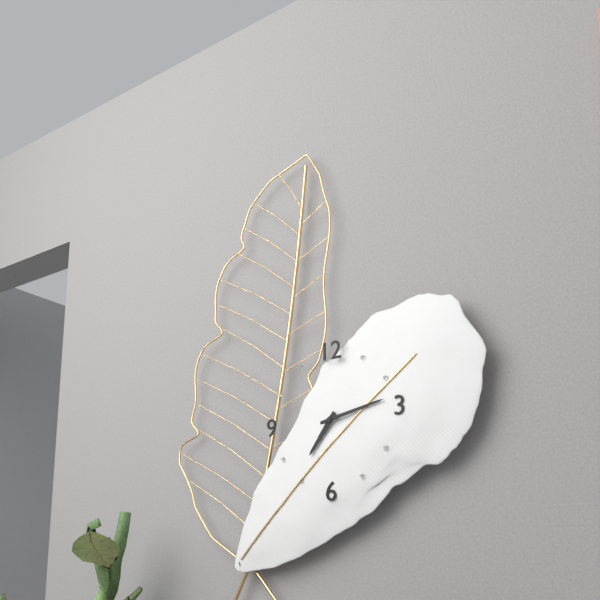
7:13
